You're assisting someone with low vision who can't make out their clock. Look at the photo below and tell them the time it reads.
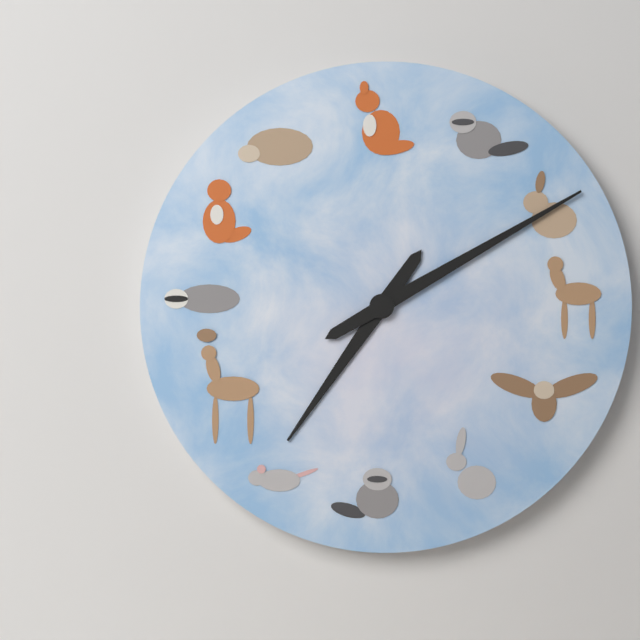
7:10
